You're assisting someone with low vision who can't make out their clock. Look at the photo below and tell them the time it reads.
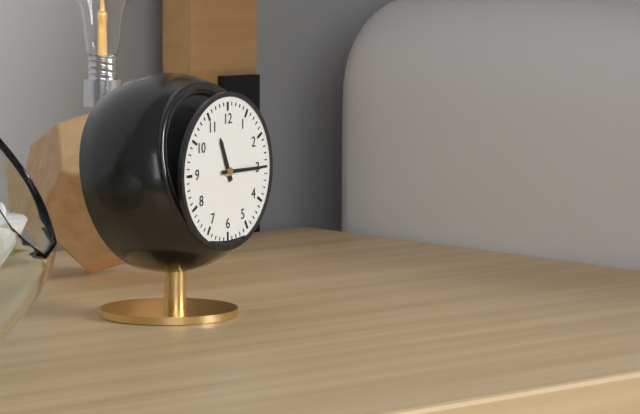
11:15
